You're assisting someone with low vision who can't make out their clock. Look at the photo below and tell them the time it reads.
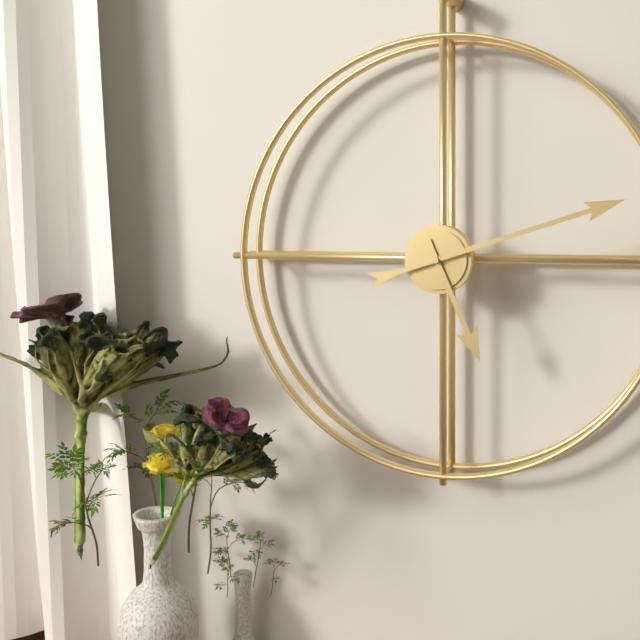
5:12
